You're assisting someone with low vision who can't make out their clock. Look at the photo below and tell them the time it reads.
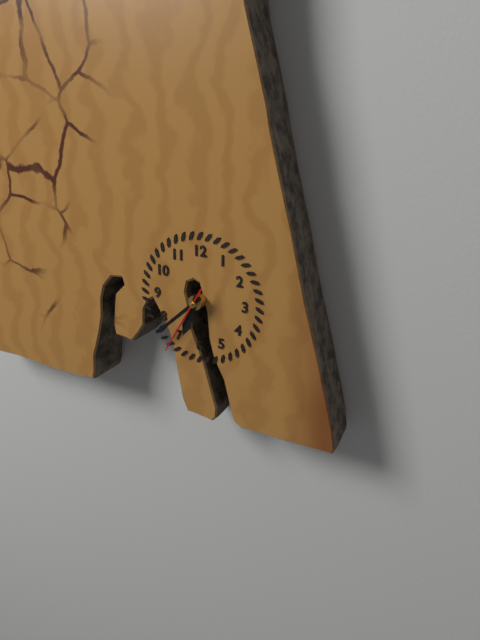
6:38:35
